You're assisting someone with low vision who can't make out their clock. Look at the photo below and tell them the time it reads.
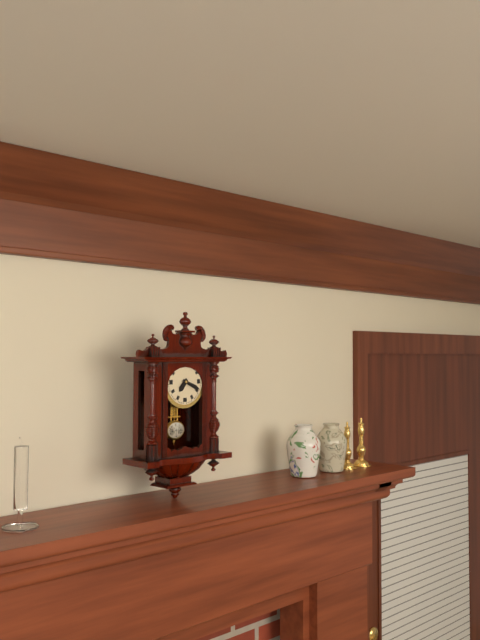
7:19
